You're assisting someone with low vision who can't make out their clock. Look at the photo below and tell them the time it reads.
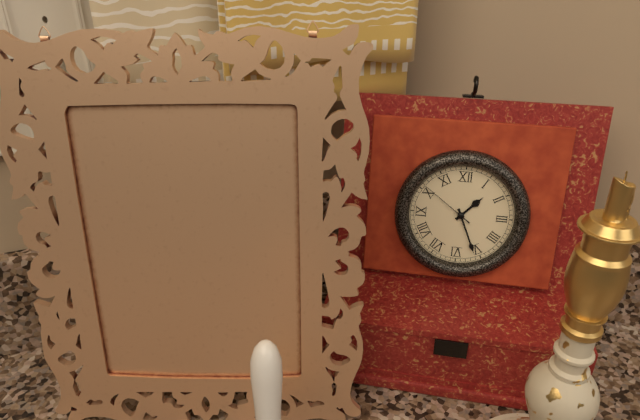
1:26:51
